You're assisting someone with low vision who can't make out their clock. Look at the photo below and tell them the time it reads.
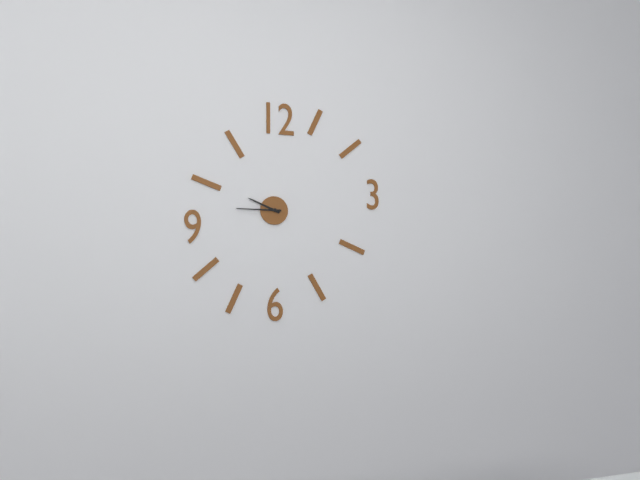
9:45
